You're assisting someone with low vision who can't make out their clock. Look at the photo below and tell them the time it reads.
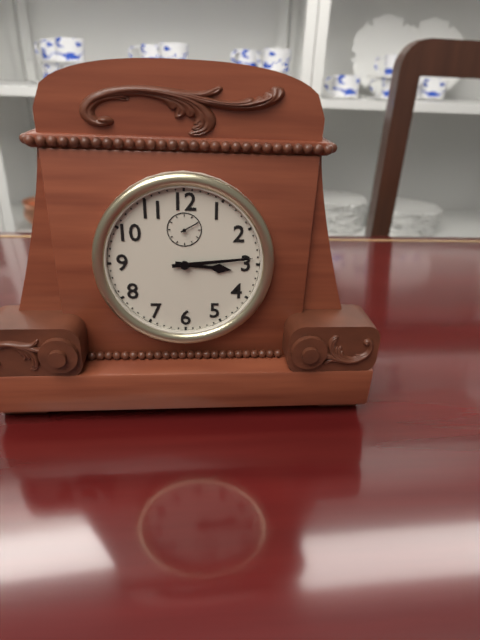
3:14
